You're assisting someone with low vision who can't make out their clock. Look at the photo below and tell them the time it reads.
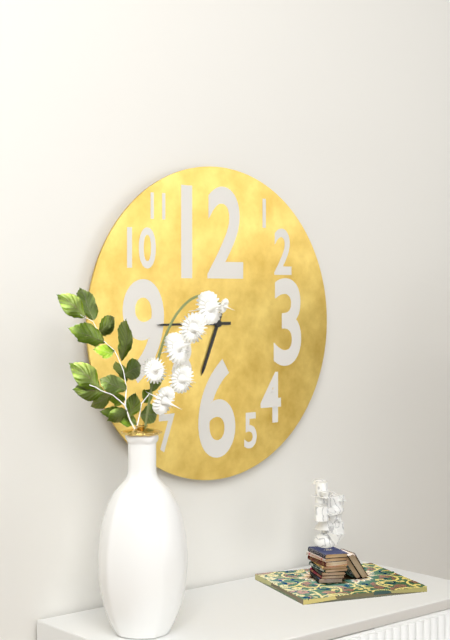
6:45
